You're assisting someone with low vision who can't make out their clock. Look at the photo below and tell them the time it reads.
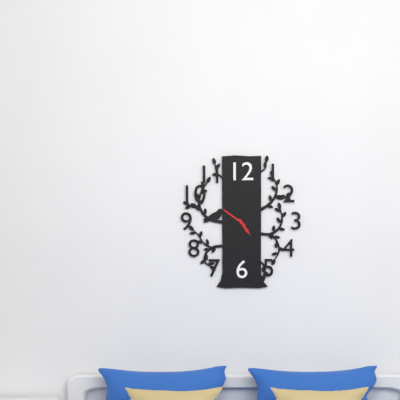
4:51
